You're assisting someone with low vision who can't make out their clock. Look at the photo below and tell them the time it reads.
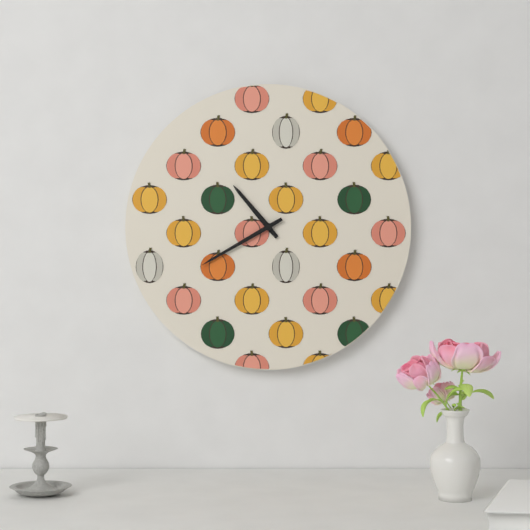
10:40
